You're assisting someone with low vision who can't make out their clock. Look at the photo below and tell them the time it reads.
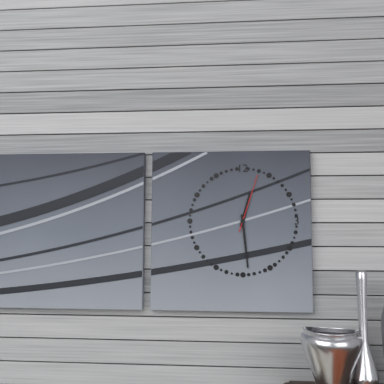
12:29:03
